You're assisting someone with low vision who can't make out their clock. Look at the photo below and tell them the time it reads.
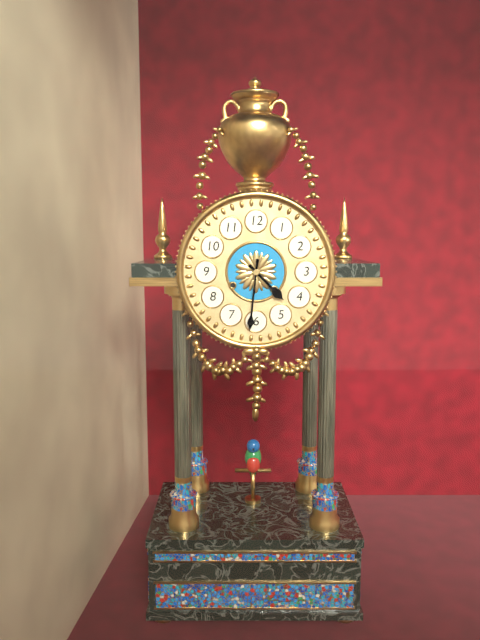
4:31
